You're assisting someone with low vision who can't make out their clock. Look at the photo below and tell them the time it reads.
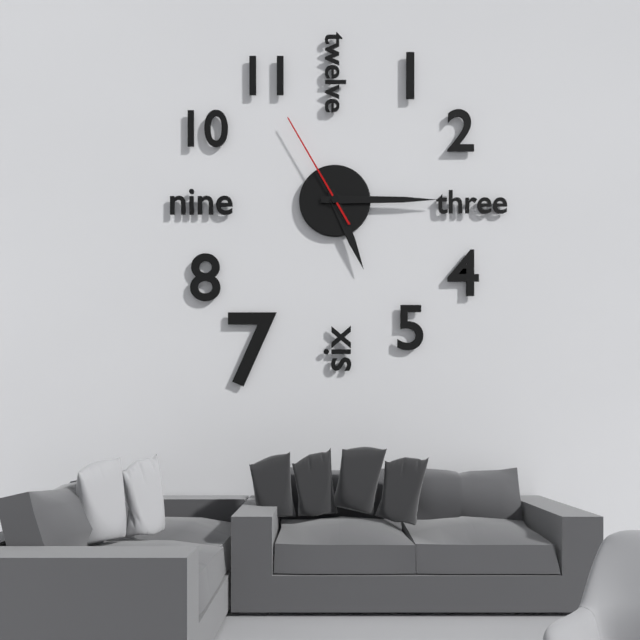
5:15:55
